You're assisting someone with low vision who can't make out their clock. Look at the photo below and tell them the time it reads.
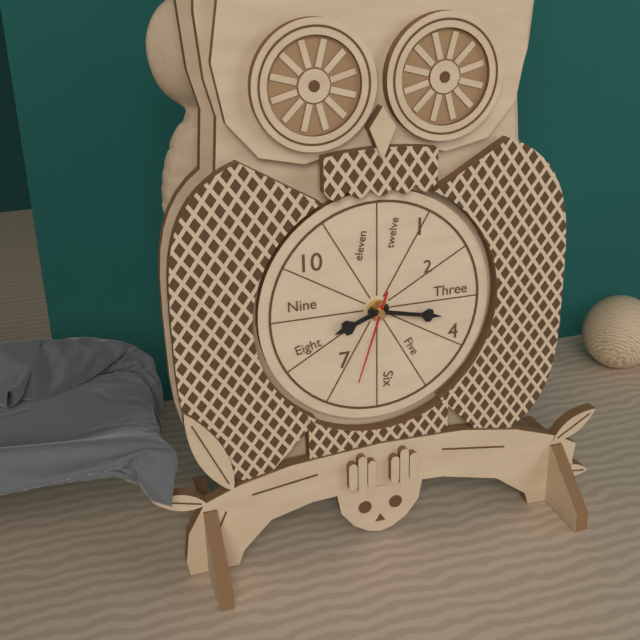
8:17:33
